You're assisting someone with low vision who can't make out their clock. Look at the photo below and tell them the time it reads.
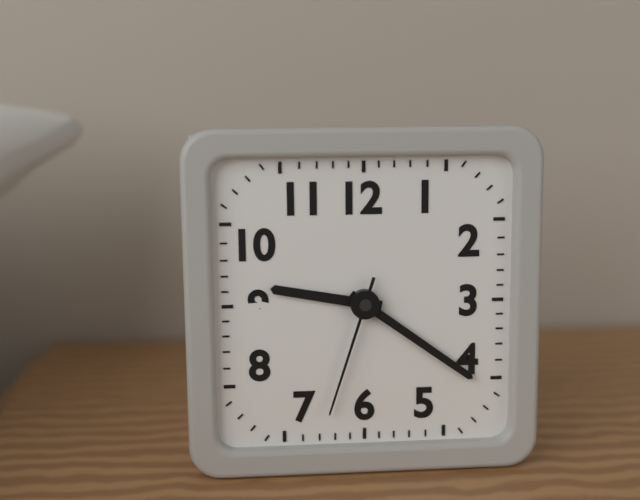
9:21:33
